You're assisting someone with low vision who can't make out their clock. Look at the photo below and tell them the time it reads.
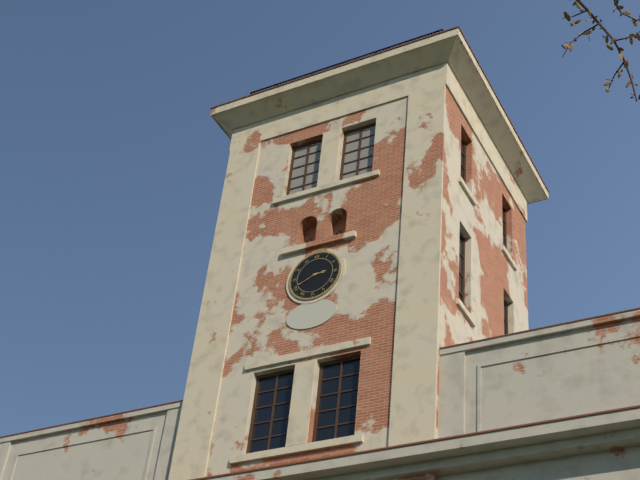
2:41
